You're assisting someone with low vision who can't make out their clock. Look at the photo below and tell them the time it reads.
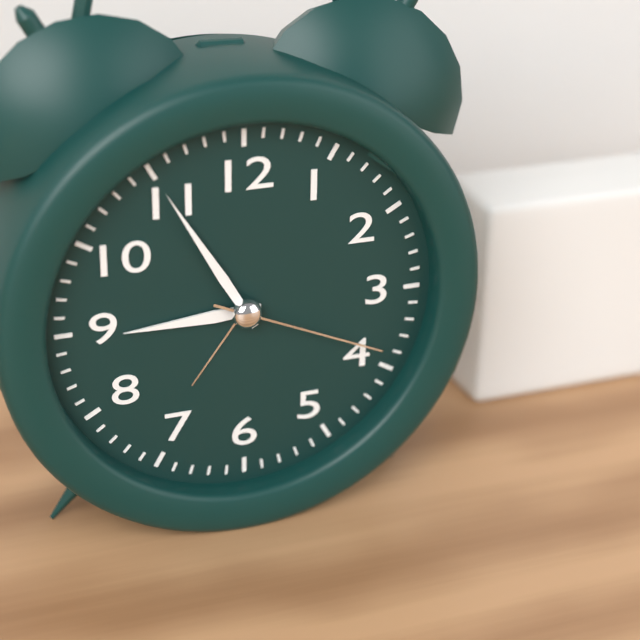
8:55:19
